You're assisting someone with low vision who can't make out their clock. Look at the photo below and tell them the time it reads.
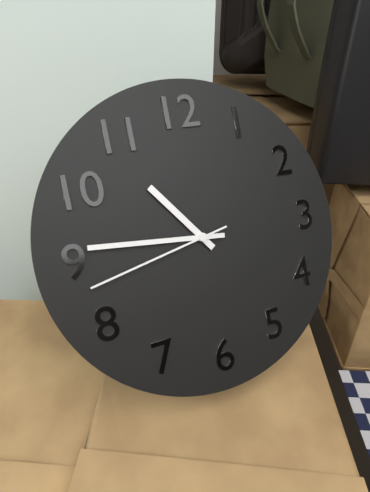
10:46:43
